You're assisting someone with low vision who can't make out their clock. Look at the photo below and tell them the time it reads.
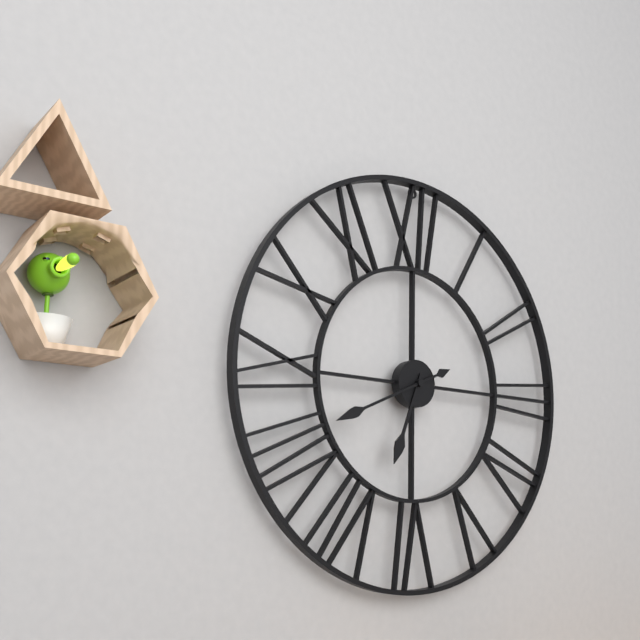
6:41
